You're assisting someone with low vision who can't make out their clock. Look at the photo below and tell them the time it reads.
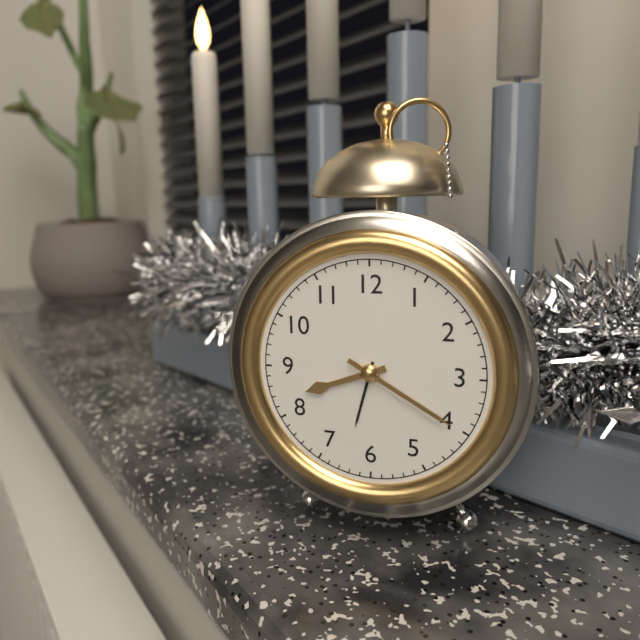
8:20
